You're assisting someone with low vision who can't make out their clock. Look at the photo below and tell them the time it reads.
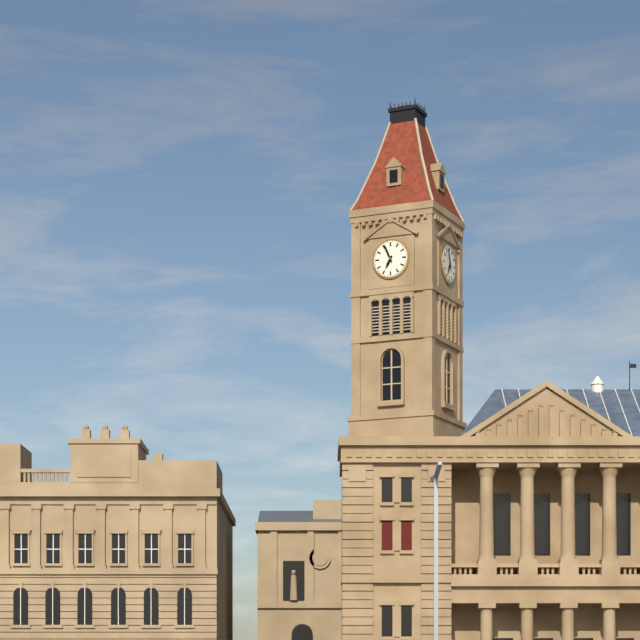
6:56
